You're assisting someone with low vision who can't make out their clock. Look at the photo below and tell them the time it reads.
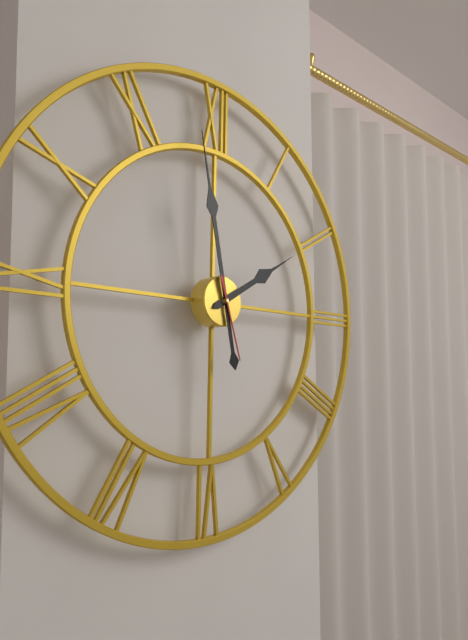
1:58:27
